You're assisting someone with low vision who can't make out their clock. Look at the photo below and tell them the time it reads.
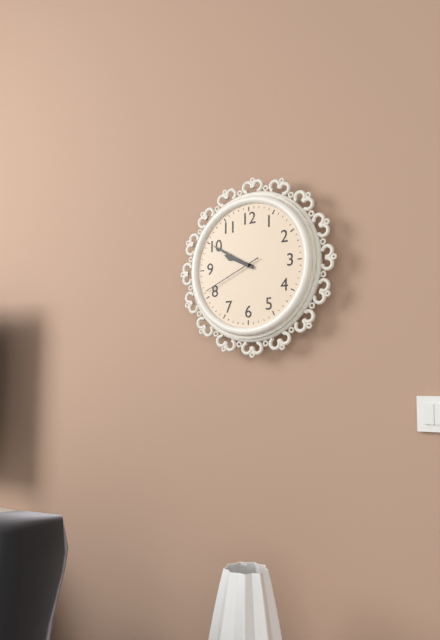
9:50:41
